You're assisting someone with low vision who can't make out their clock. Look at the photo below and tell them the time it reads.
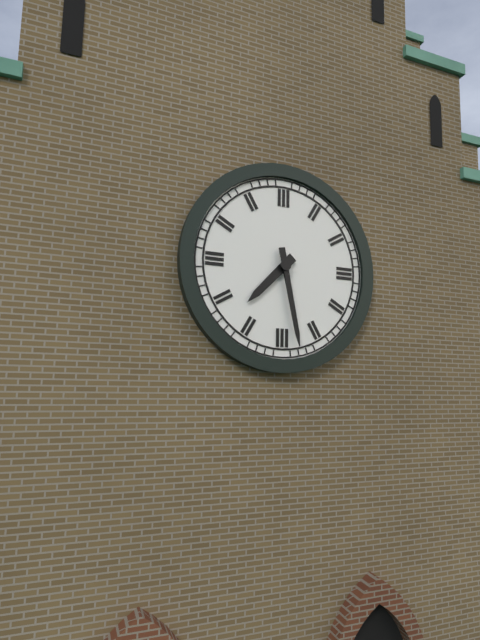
7:28
